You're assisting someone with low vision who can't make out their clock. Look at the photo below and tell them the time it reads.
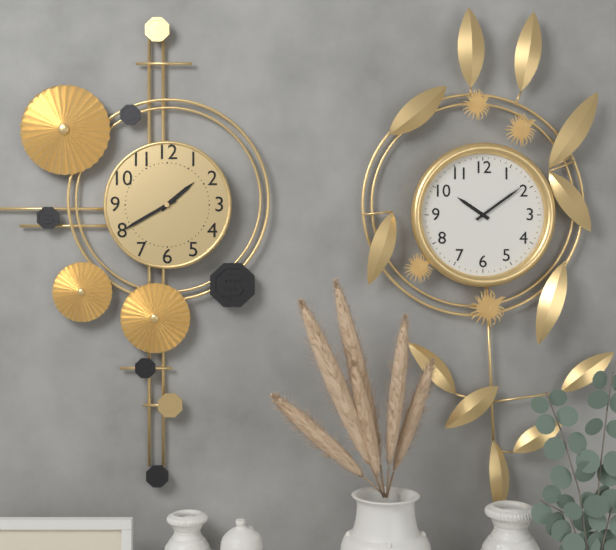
1:40
